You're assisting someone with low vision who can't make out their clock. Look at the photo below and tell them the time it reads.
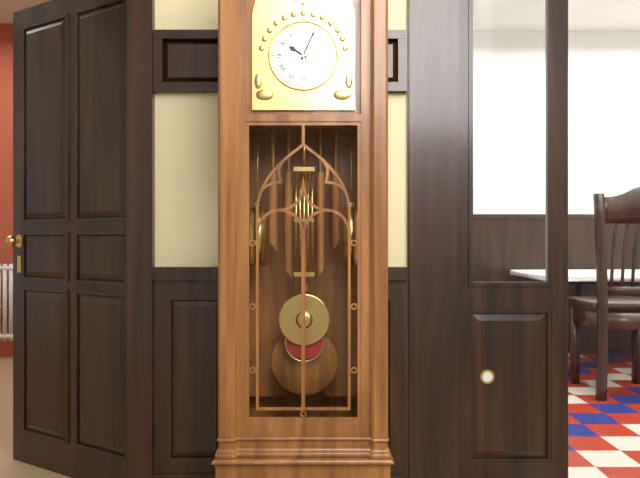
10:04
